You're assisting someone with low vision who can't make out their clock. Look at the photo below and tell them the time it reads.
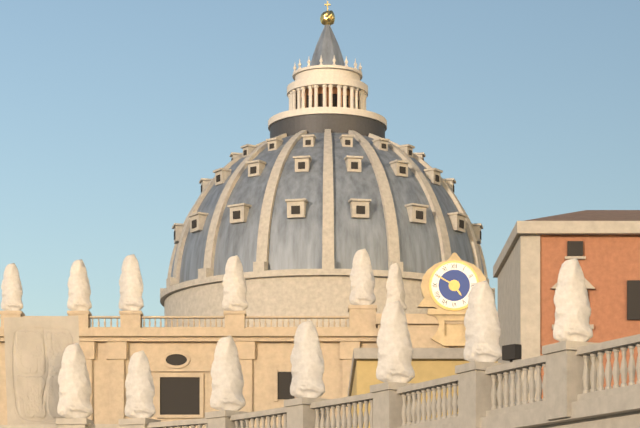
4:50
